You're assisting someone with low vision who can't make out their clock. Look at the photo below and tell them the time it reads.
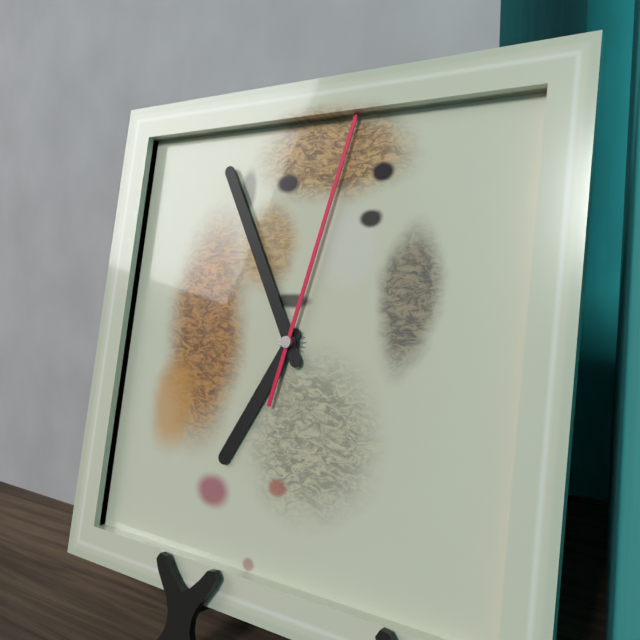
6:55:02
